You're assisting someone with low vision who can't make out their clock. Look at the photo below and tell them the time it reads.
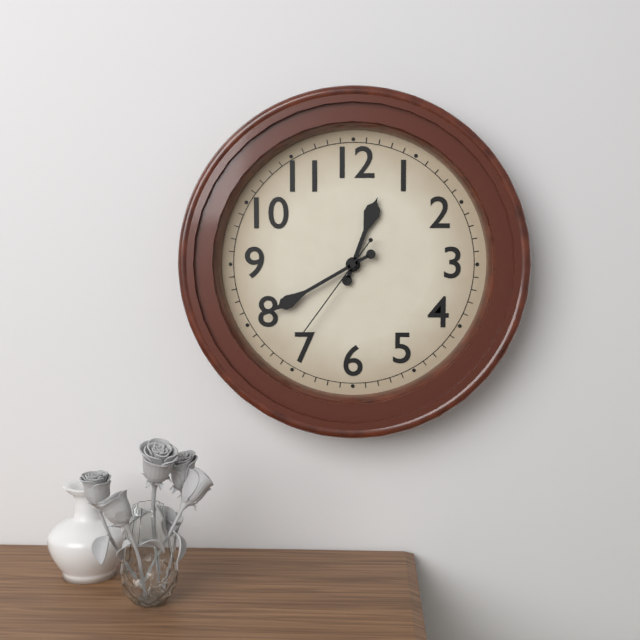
12:40:36
